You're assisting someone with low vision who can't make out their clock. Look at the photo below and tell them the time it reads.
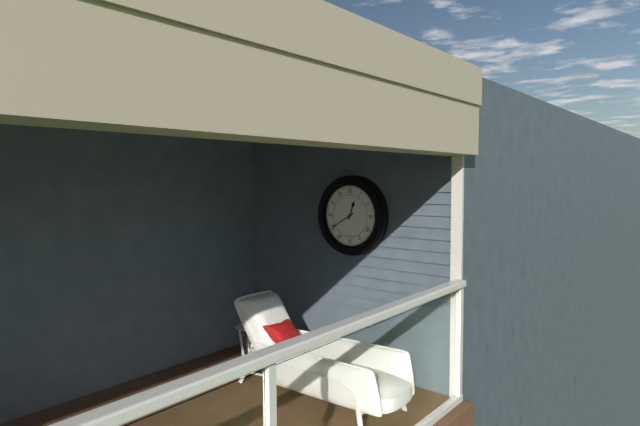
12:40
